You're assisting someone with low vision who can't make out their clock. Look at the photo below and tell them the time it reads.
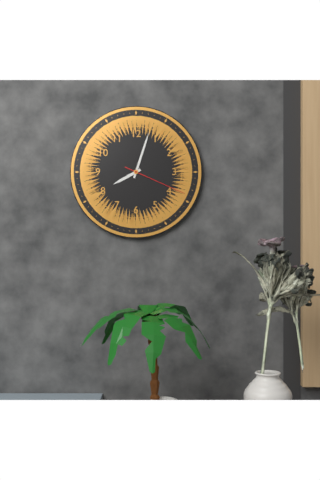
8:03:19
